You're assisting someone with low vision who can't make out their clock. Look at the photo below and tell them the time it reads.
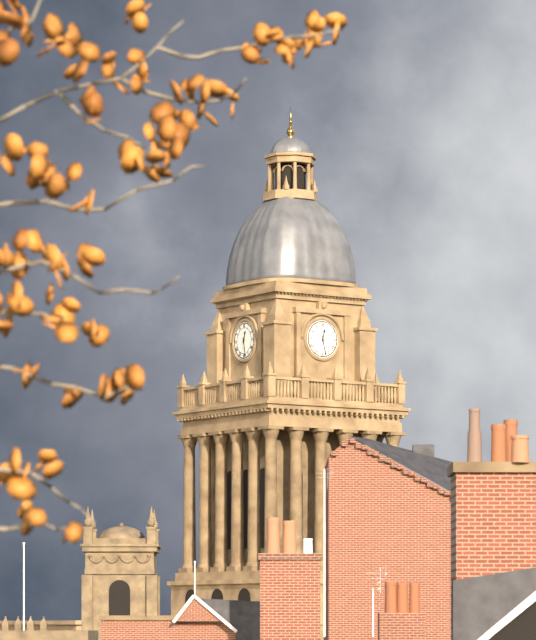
12:28
